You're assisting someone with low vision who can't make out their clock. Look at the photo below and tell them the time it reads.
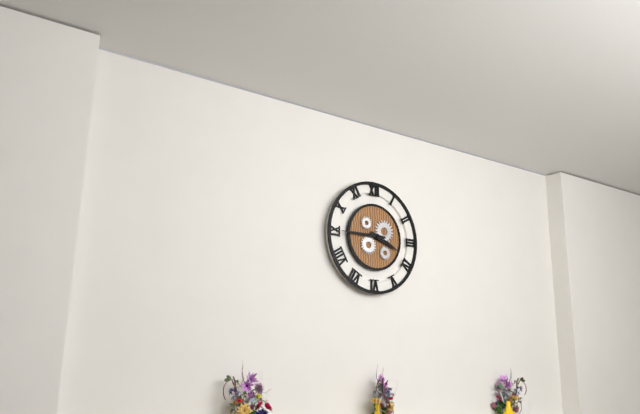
3:45
